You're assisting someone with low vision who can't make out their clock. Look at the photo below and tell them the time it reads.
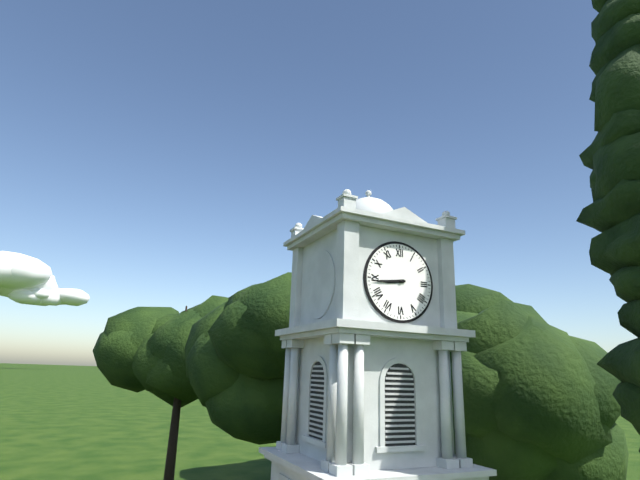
8:44
